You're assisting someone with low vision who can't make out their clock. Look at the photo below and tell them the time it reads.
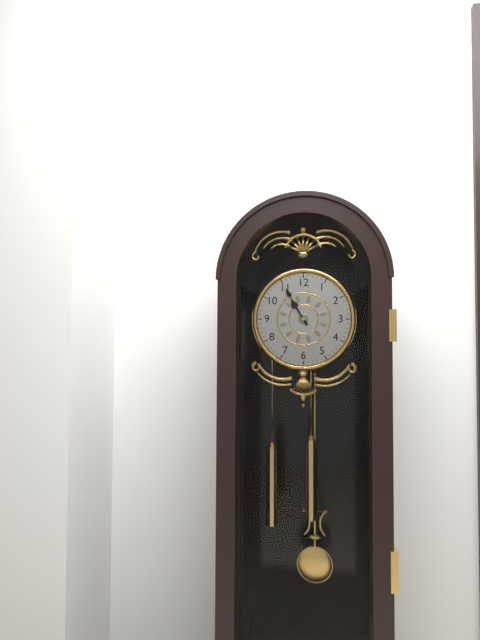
10:55
